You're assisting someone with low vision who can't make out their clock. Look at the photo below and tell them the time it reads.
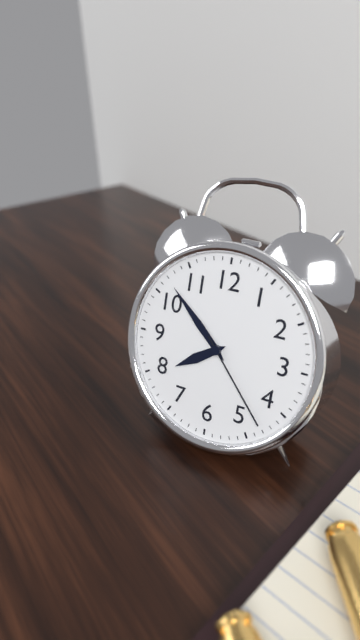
7:52:23
